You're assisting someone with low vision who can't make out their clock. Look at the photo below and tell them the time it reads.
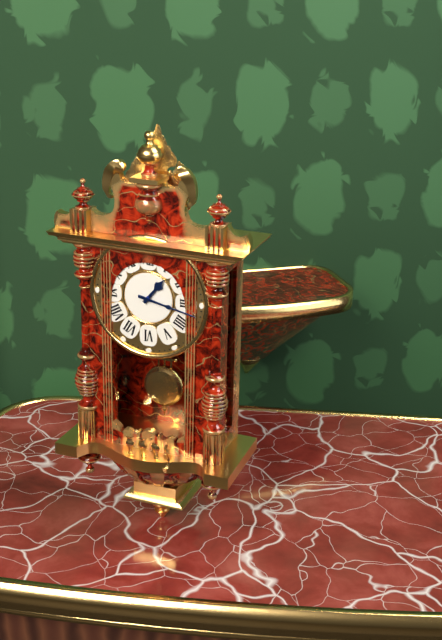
1:17
